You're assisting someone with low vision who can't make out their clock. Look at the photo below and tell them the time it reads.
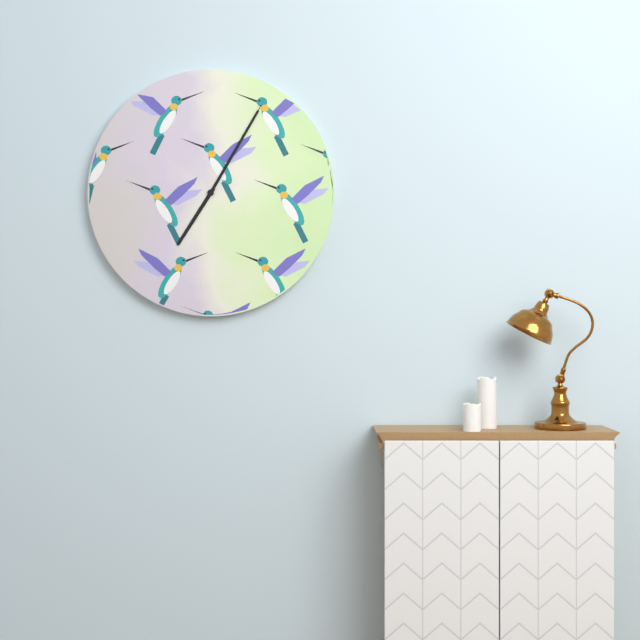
7:05:05
